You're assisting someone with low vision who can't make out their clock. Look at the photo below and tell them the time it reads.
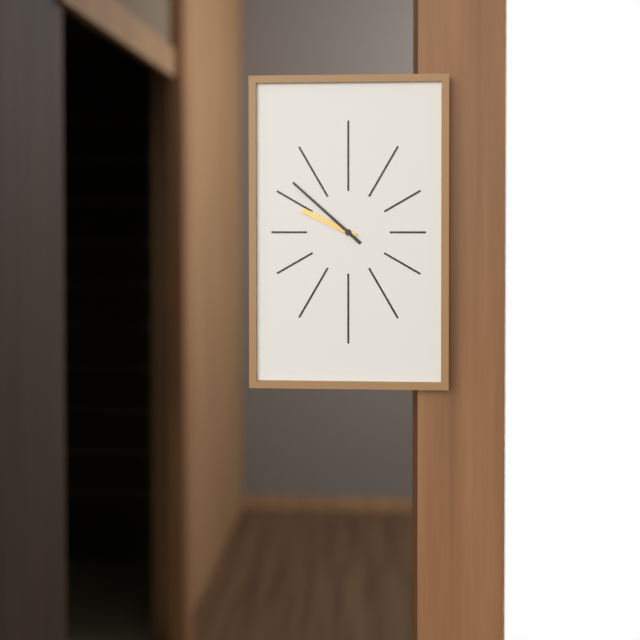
9:52
